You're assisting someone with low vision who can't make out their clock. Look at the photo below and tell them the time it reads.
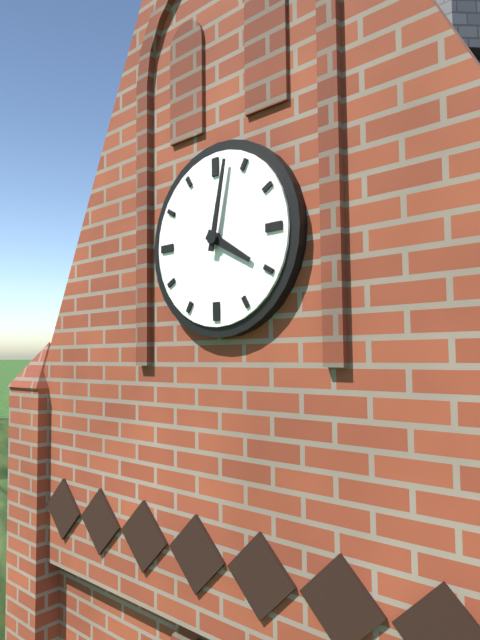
4:02
